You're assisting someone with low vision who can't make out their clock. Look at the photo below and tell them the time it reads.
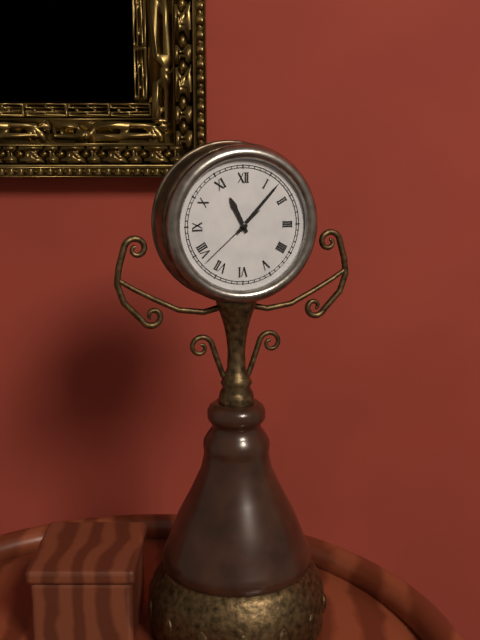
11:07:38
